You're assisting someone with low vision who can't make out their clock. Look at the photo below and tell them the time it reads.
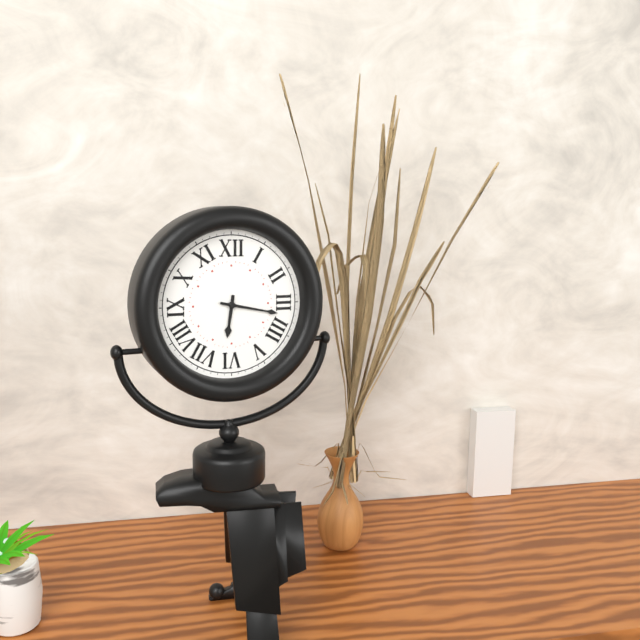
6:17
